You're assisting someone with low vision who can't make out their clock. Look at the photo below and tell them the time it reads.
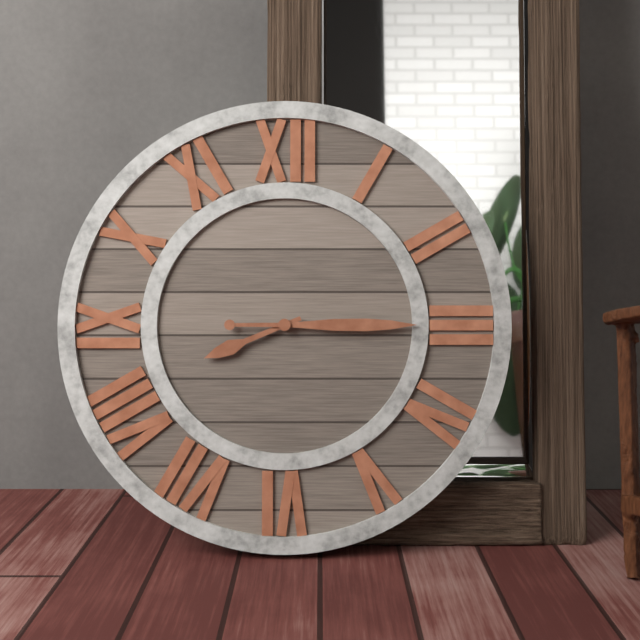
8:15
